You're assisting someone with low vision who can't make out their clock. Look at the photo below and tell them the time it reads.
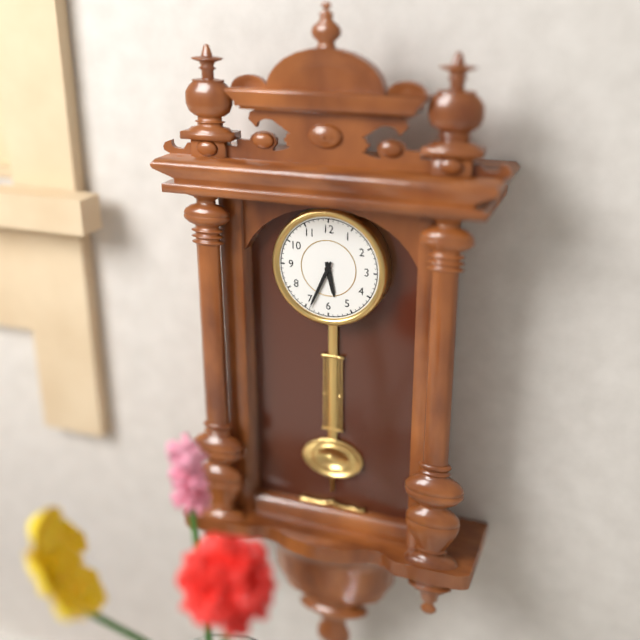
5:34
